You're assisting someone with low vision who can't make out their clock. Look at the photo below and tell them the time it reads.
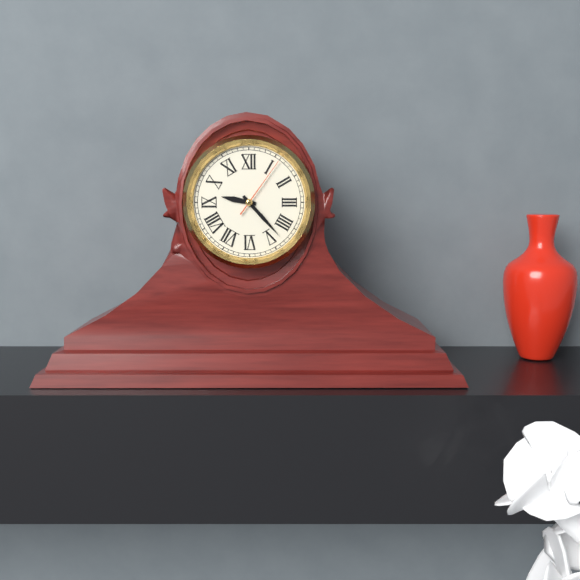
9:23:06
